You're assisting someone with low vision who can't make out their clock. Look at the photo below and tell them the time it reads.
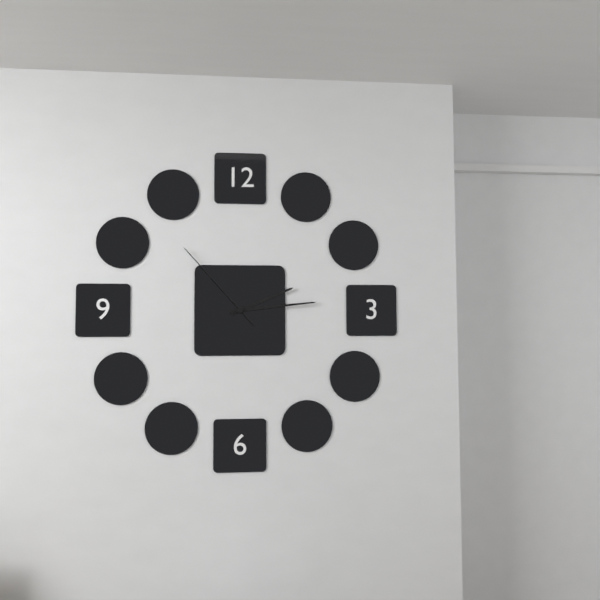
2:14:53
